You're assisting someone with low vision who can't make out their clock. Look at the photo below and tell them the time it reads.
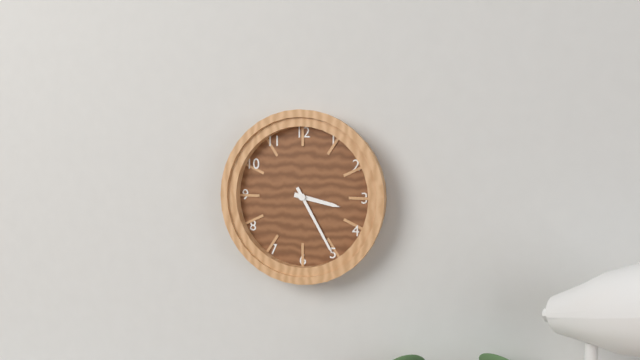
3:25
